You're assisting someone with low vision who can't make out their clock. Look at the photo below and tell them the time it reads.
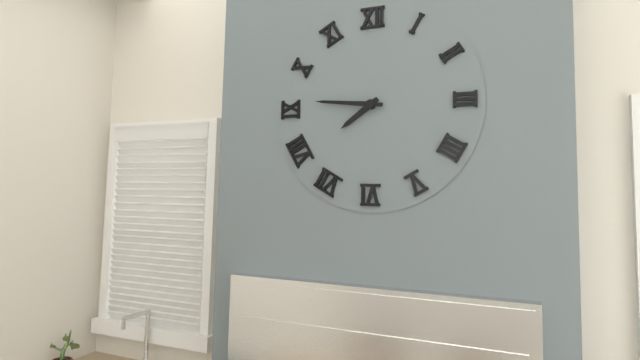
7:46
